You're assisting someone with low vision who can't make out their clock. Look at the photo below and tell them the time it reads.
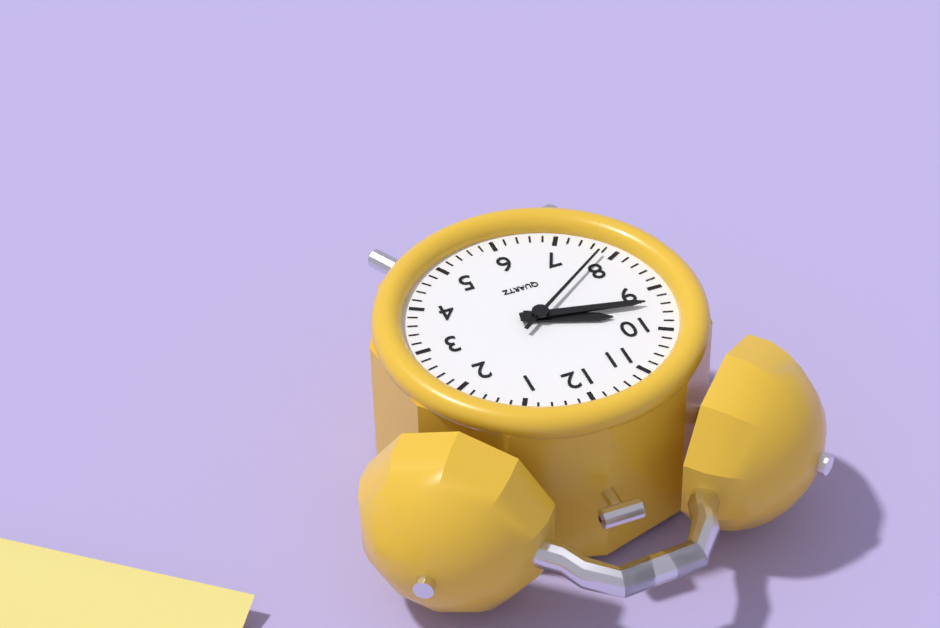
9:47:39
